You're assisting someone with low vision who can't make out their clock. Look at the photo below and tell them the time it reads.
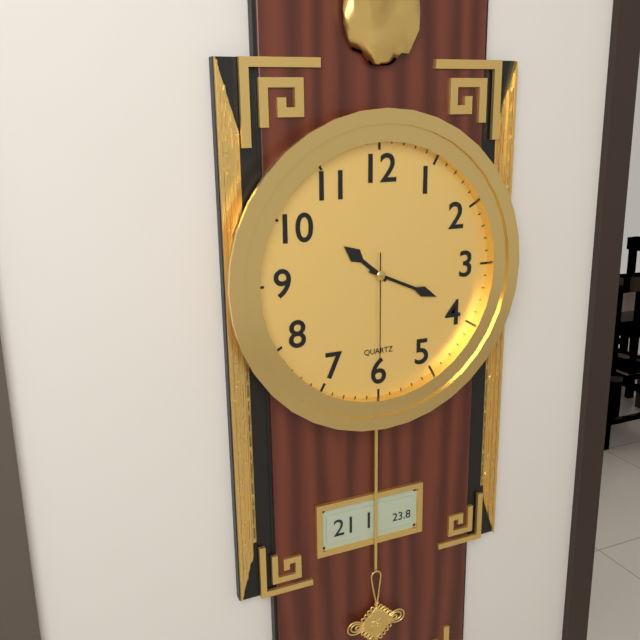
10:19:30
